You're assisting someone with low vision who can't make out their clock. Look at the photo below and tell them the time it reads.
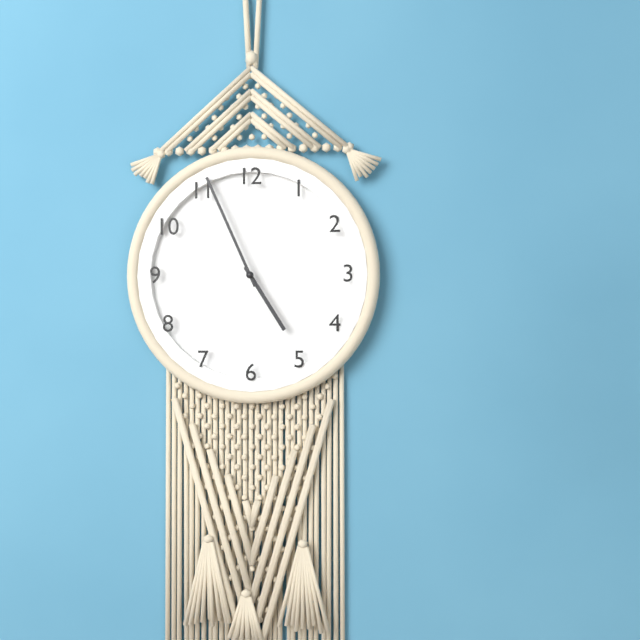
4:56
